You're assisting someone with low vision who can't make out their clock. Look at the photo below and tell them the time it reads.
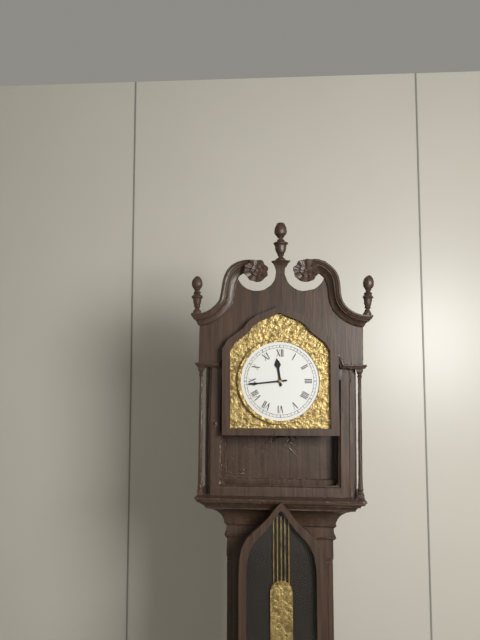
11:44
